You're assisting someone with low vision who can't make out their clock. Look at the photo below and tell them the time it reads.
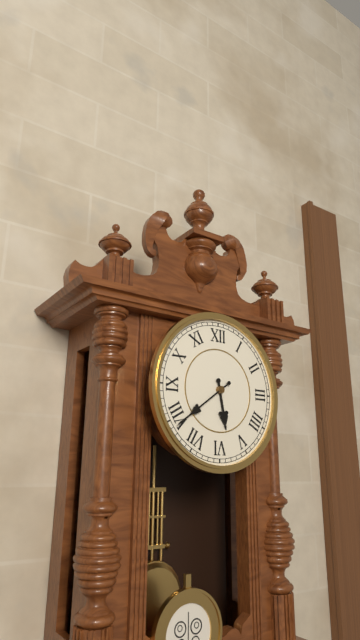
5:39
